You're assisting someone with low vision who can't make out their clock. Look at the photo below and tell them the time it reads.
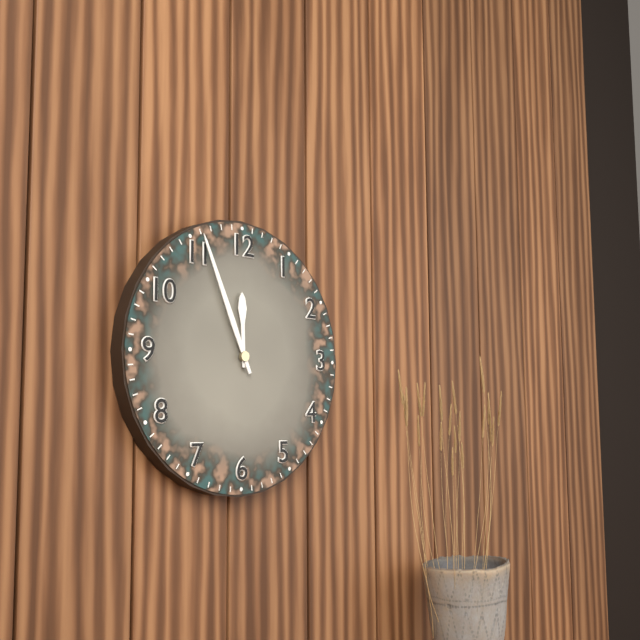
11:56
